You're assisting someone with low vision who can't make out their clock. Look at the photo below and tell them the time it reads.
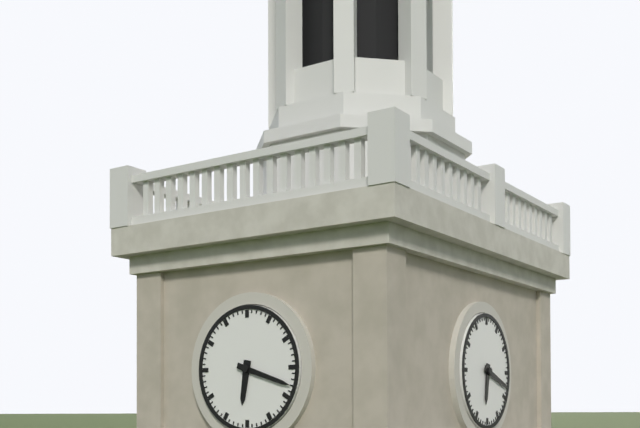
6:18
